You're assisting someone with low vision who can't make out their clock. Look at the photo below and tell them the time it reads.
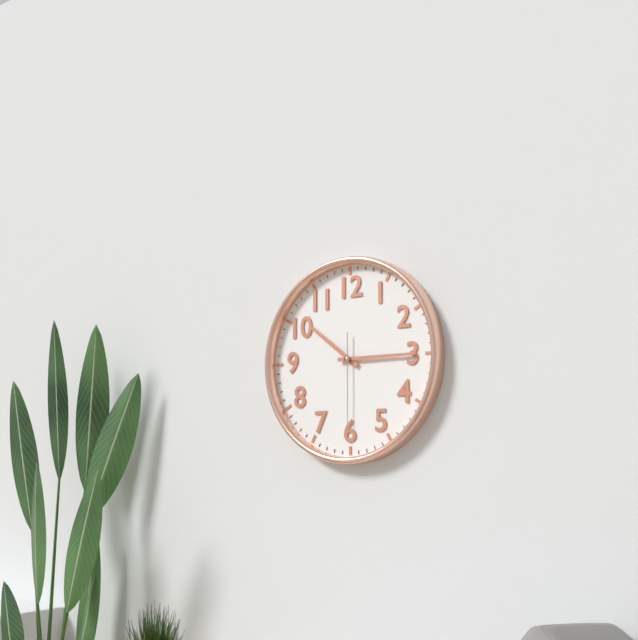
10:15:30
